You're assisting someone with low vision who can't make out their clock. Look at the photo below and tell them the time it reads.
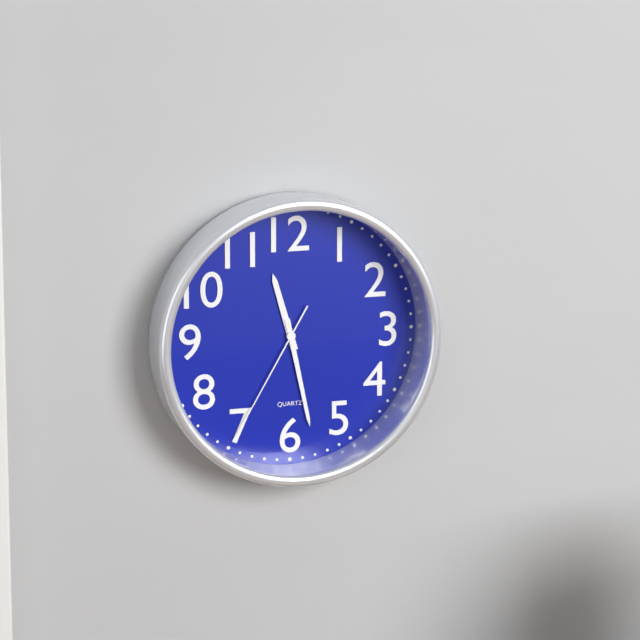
11:28:35
